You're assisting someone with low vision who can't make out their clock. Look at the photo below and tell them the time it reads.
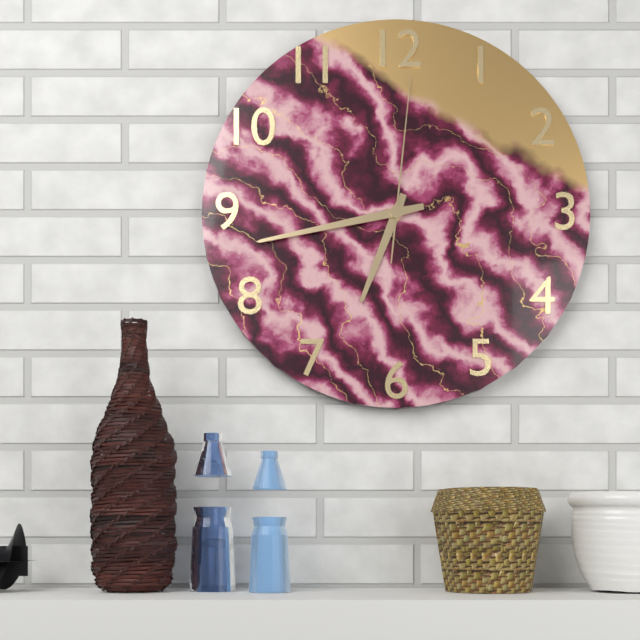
6:43:01
